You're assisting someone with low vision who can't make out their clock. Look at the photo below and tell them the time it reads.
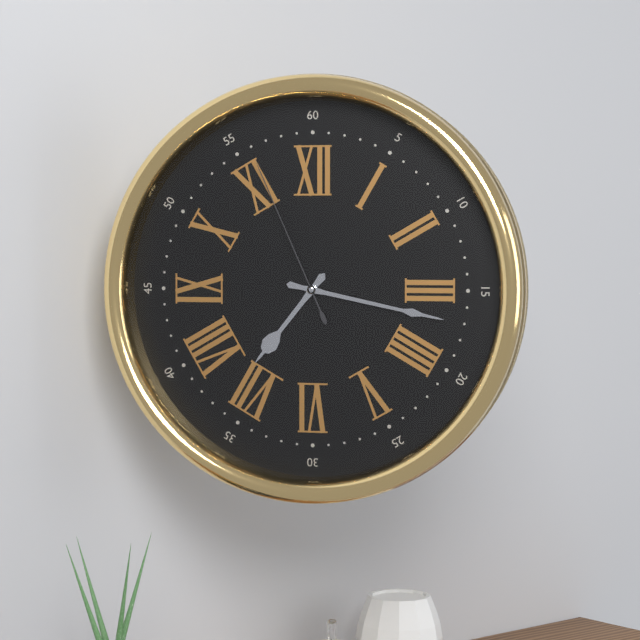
7:17:56
